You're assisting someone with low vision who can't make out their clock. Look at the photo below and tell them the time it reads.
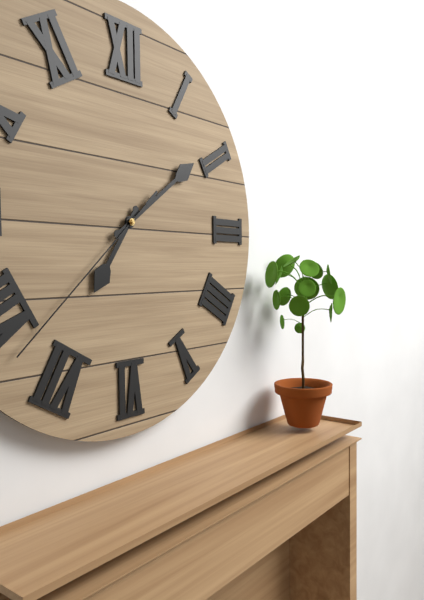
7:09:38
